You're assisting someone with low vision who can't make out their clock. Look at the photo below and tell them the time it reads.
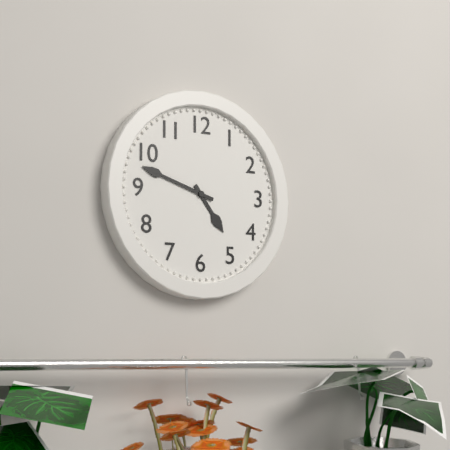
4:48
